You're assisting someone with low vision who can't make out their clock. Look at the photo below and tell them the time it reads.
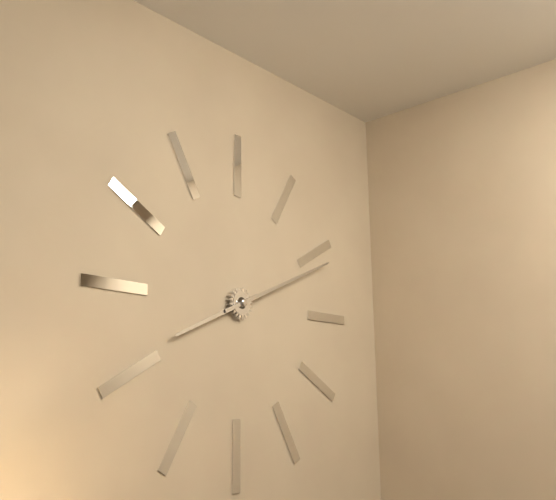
8:11
